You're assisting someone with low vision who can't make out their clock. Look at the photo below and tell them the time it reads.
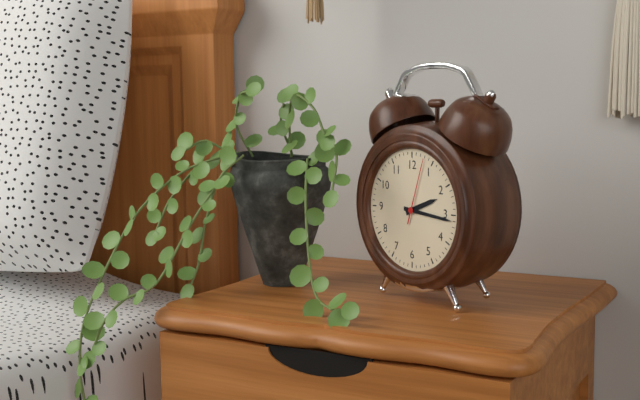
2:16:03
